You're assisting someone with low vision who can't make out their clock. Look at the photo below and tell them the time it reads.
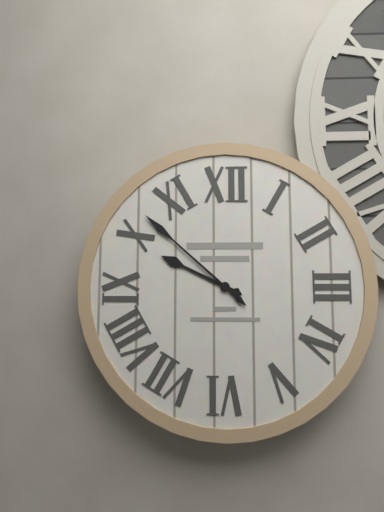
9:52
